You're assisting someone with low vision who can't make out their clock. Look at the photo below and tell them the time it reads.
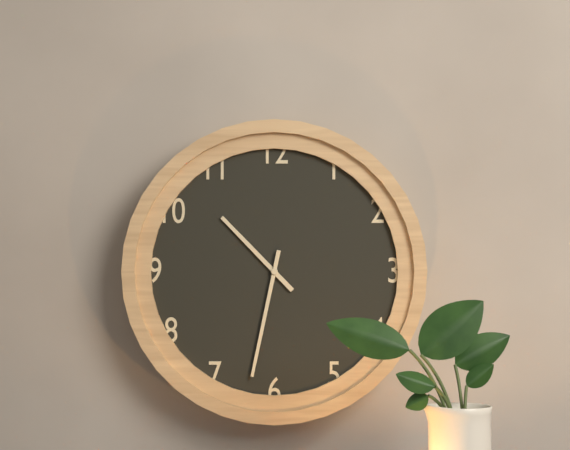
10:32
